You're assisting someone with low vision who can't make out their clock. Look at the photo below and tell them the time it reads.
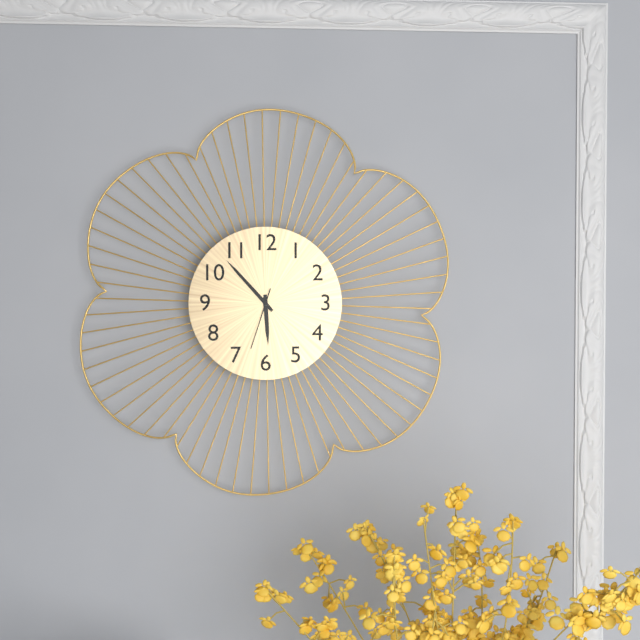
5:53:33
